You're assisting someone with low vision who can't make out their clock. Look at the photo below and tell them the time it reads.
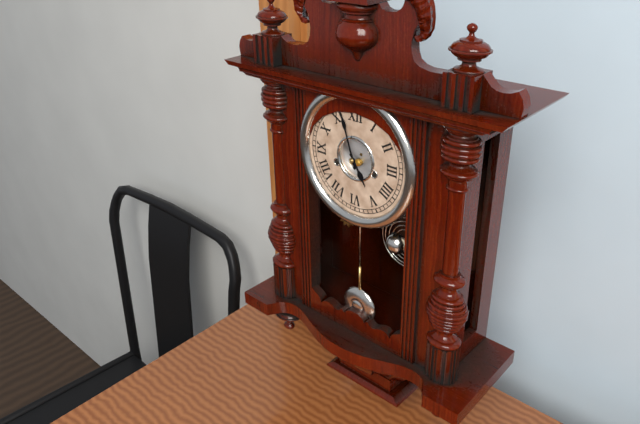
4:57
